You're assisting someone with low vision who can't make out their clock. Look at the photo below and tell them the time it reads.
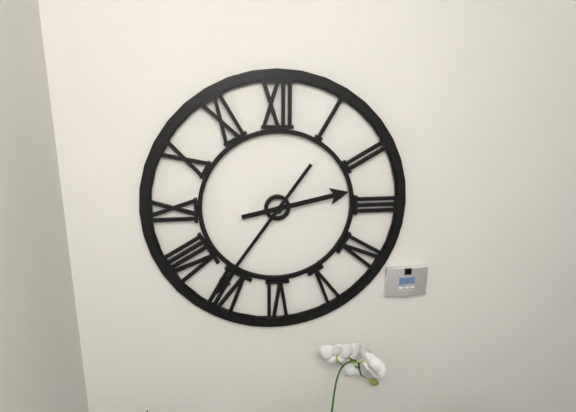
2:36
